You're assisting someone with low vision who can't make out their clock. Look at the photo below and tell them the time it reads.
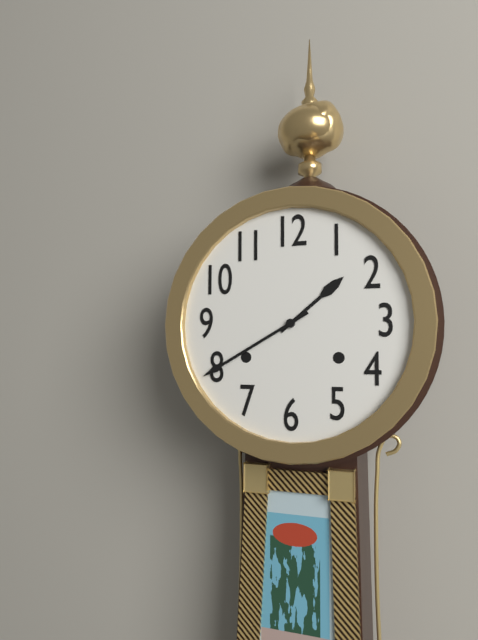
1:40
